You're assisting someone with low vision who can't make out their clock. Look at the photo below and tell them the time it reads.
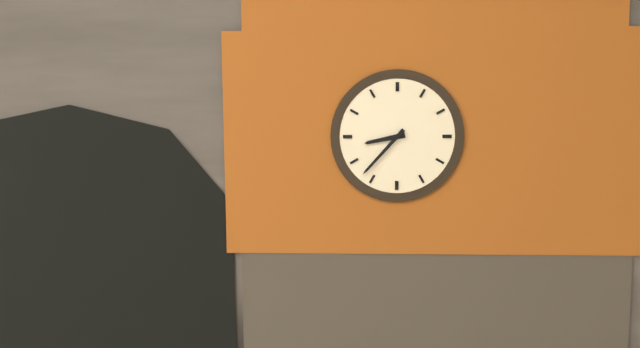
8:37
